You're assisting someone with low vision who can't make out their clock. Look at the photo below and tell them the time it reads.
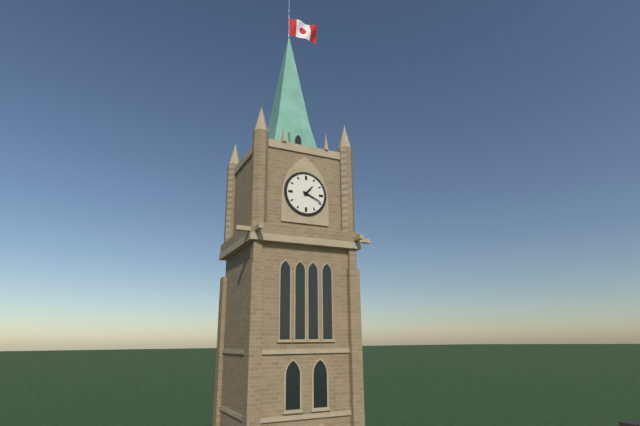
1:19
